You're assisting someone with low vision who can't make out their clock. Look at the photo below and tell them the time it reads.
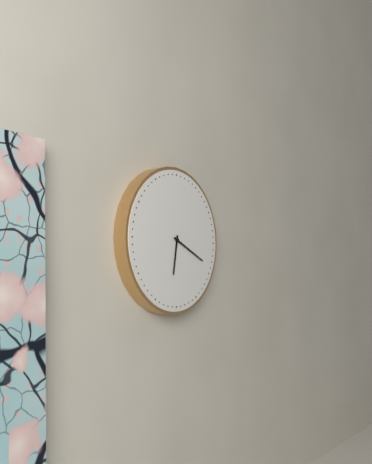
6:19
